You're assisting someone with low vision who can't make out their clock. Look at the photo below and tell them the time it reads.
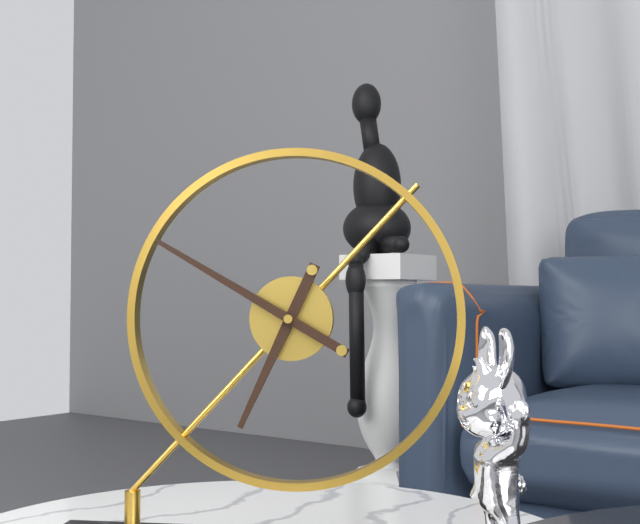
6:50
